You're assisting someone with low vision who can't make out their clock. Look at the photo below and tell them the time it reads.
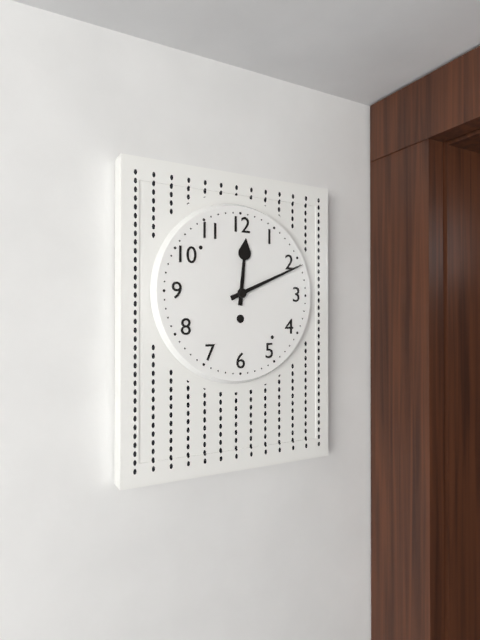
12:11
